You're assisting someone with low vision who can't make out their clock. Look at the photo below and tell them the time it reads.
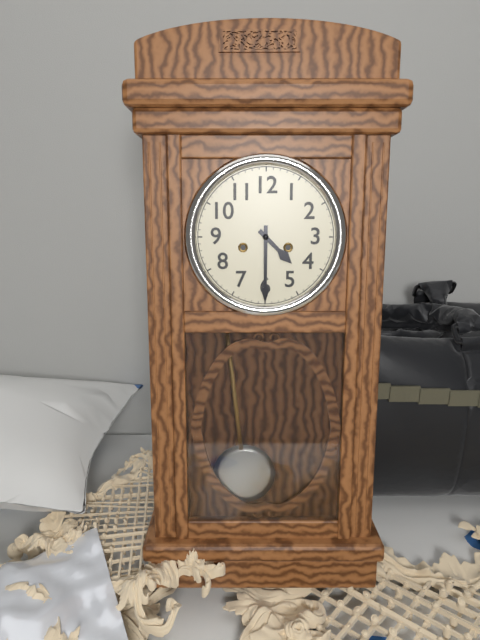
4:30
